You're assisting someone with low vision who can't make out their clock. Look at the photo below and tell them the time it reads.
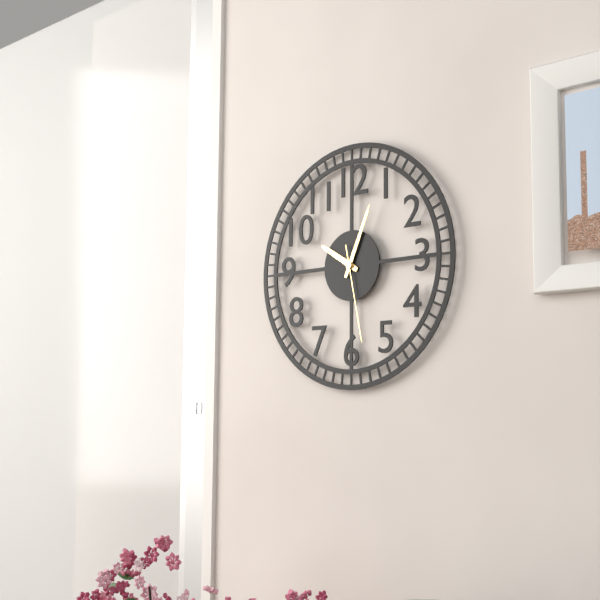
10:04:28
